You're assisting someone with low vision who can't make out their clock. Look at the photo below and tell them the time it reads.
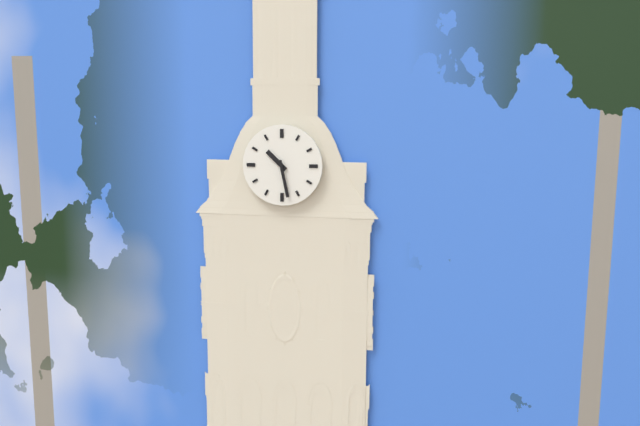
10:28
